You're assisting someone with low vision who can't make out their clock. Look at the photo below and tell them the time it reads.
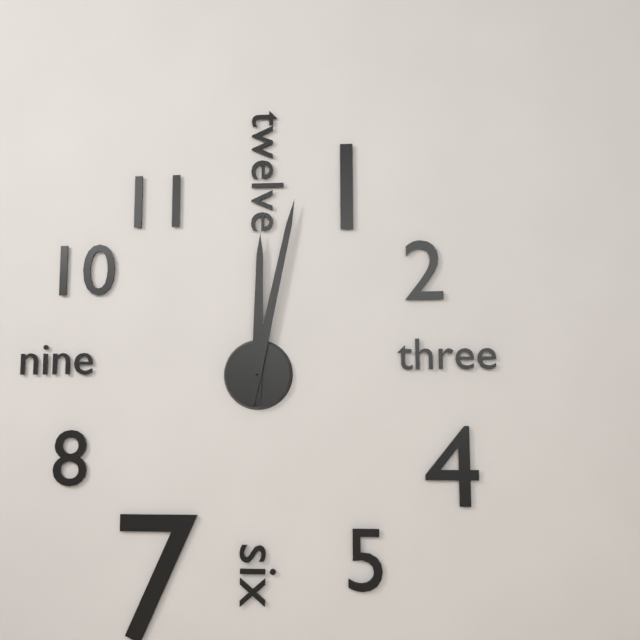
12:02
